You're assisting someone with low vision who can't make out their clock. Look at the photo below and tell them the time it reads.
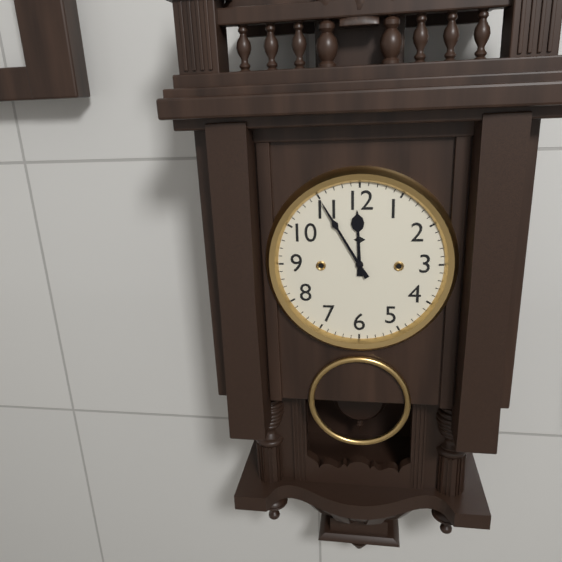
11:55
